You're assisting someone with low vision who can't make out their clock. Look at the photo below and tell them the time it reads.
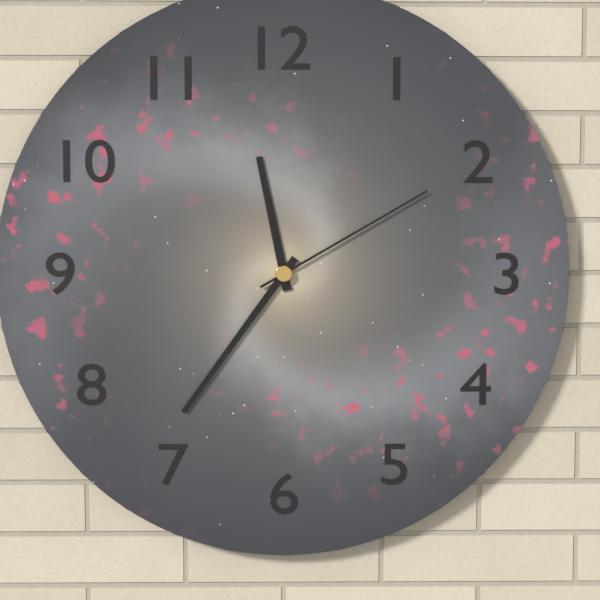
11:36:10
